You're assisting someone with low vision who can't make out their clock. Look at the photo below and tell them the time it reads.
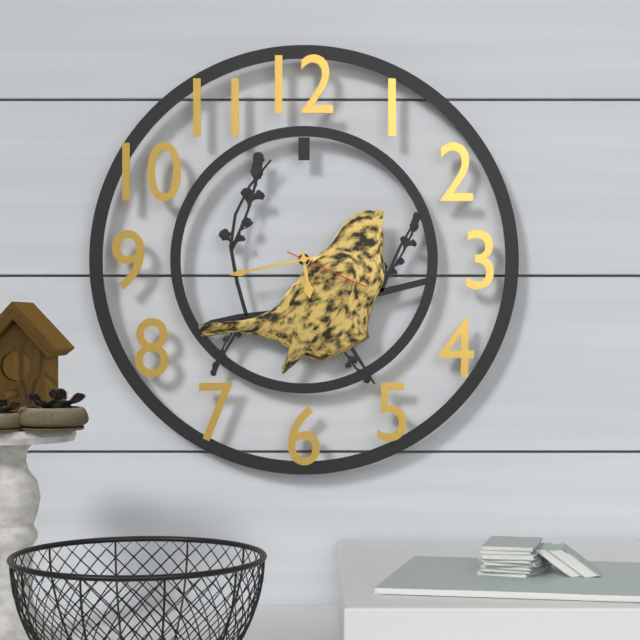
5:43:19
